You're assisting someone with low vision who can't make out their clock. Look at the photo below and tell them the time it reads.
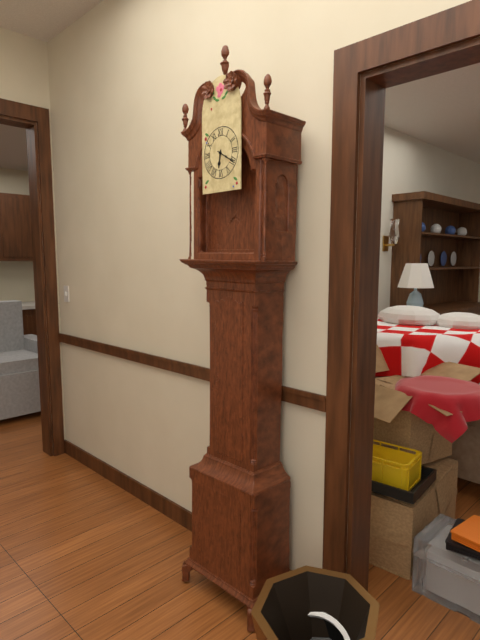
6:20
